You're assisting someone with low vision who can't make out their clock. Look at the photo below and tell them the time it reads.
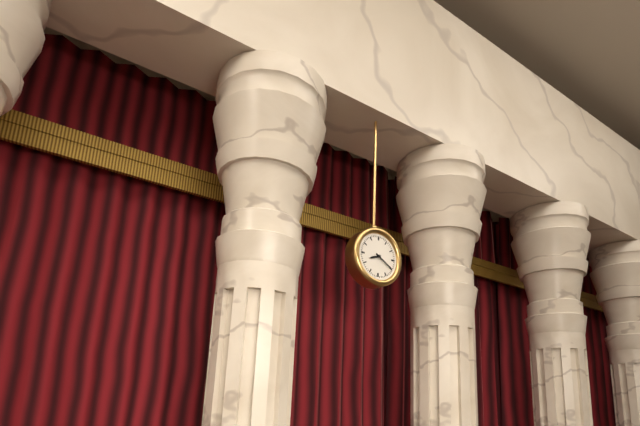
8:20
